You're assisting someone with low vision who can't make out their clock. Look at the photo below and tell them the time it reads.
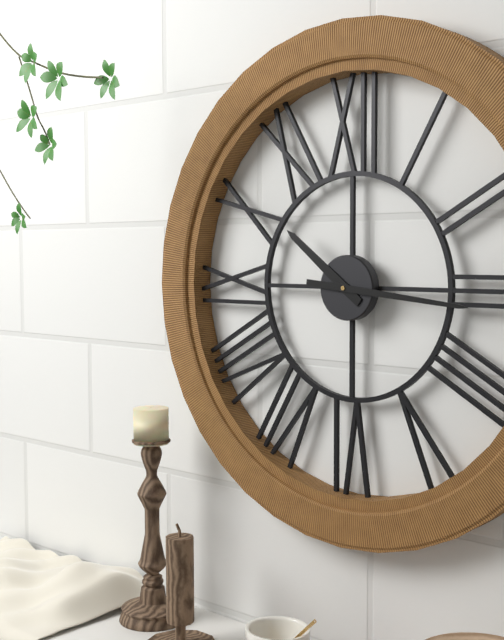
10:16
